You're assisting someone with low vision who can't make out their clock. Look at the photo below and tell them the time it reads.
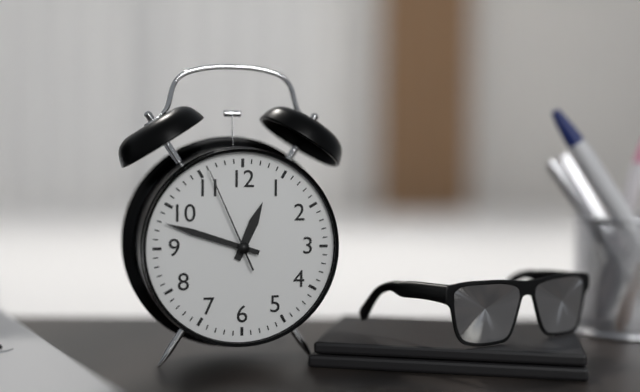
12:48:56
